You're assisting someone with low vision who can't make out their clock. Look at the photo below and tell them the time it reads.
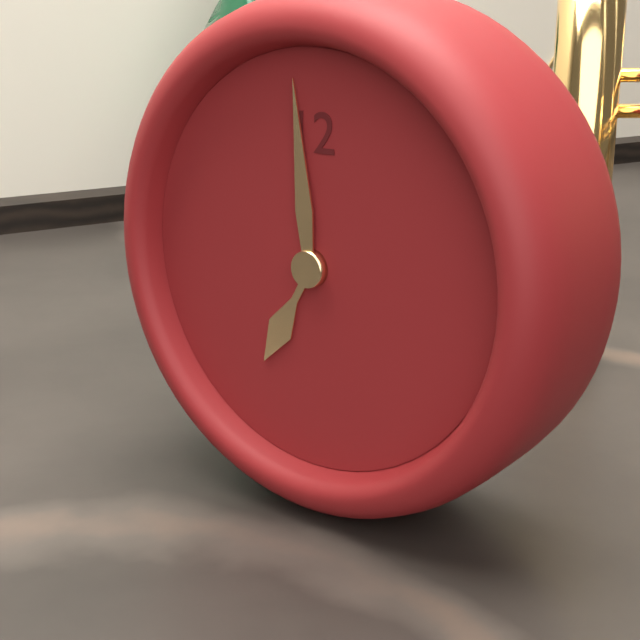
6:59
